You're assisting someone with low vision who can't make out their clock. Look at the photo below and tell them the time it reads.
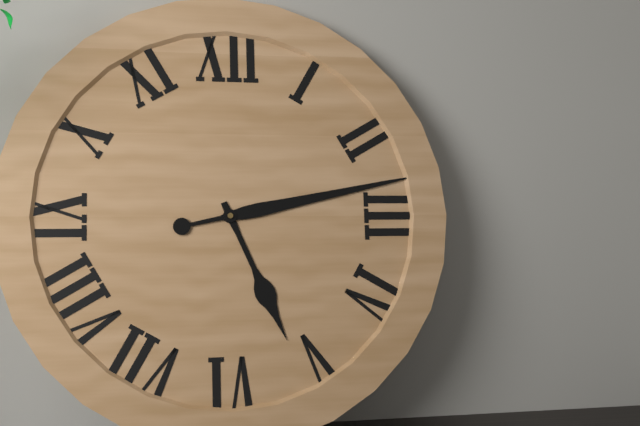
5:13
